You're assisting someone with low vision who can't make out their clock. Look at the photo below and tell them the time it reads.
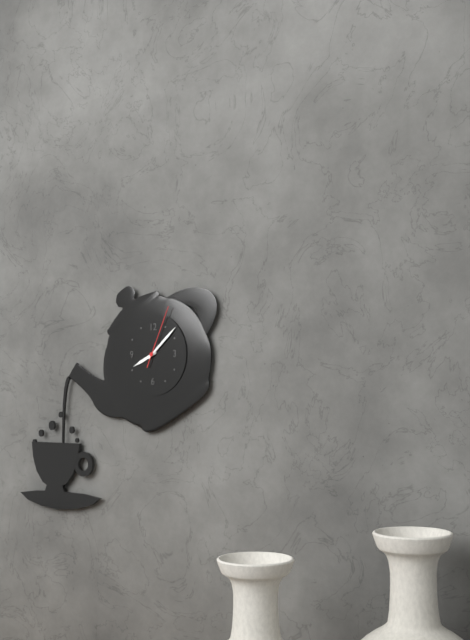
8:08:04
